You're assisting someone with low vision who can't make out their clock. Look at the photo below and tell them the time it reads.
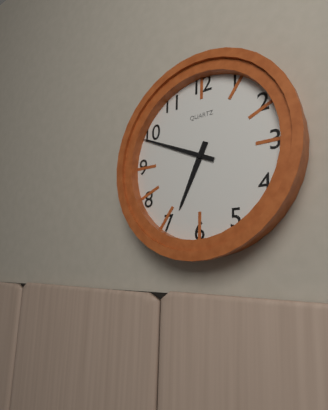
6:49
